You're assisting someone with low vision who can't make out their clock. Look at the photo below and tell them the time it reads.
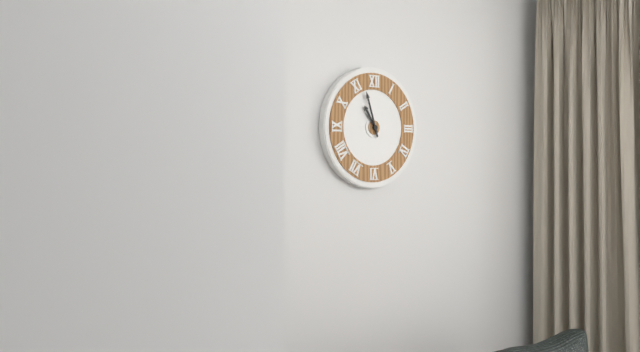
10:57
